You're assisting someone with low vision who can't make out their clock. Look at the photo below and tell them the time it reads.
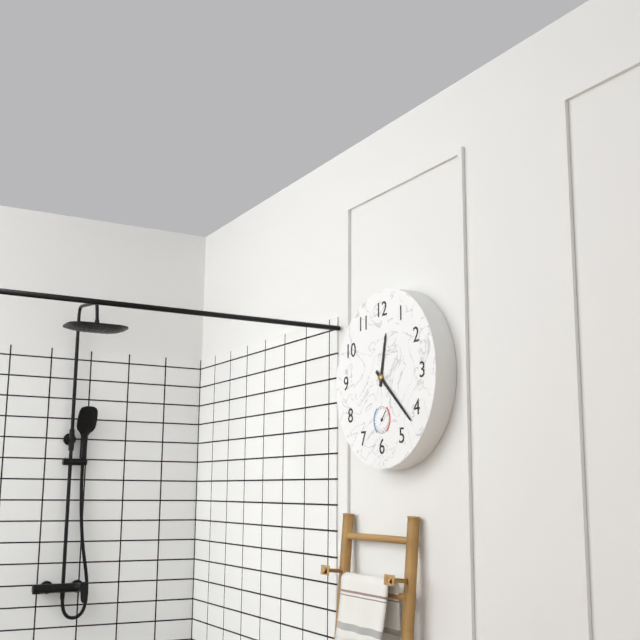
12:22
